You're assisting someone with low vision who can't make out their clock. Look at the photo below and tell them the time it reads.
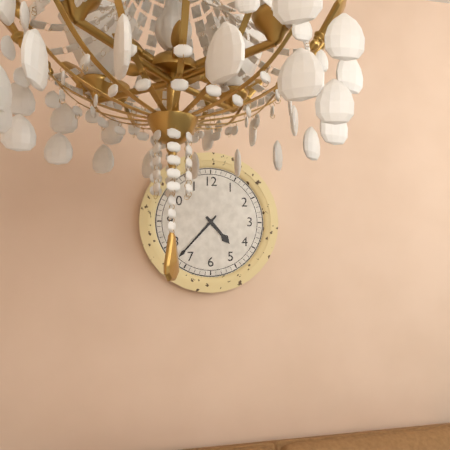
4:37
